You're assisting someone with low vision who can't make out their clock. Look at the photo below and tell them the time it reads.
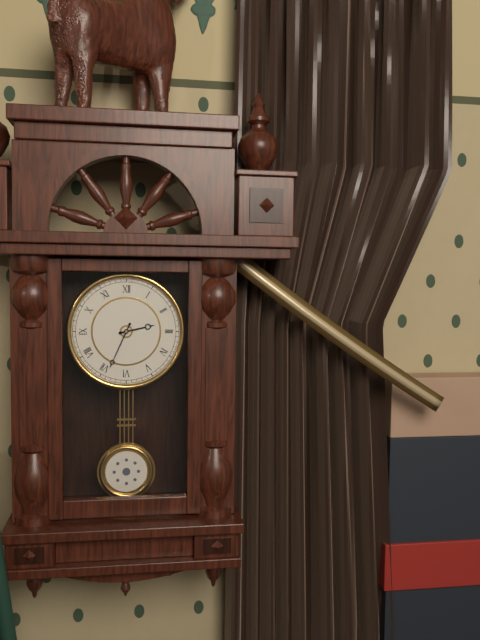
2:34
